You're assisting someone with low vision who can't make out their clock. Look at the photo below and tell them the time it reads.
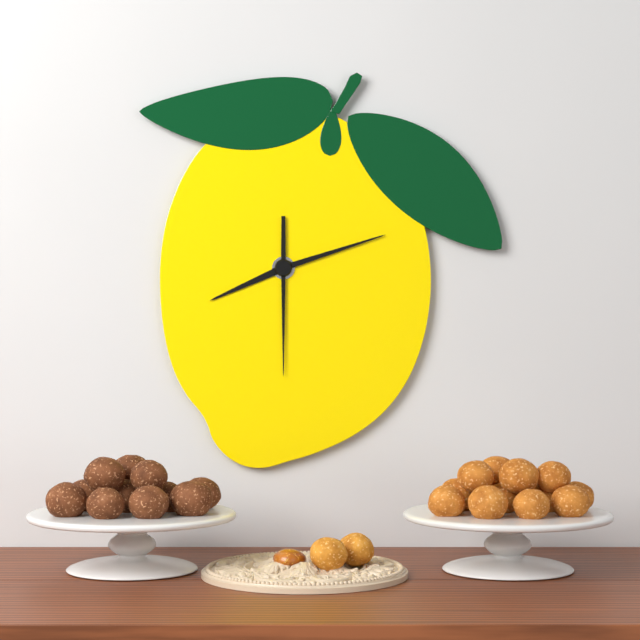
8:12:30
